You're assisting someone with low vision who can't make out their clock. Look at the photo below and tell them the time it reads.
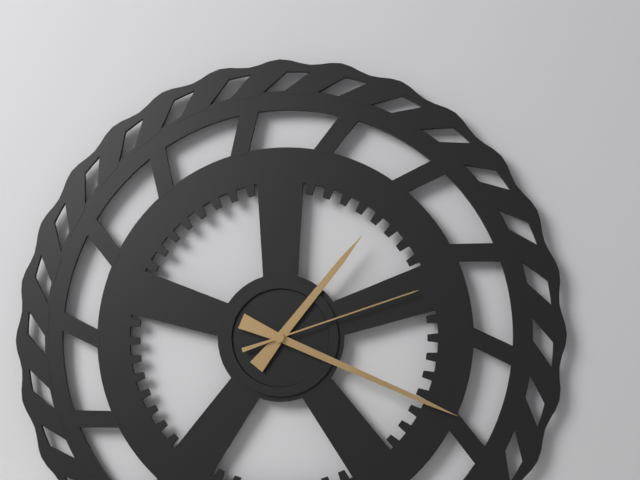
1:19:12
